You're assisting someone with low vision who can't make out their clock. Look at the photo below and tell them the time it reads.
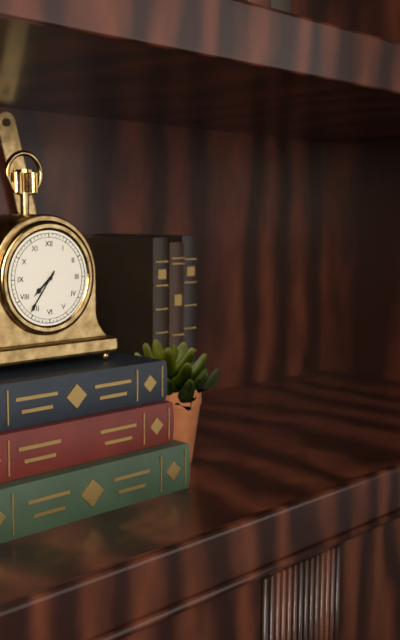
7:36
